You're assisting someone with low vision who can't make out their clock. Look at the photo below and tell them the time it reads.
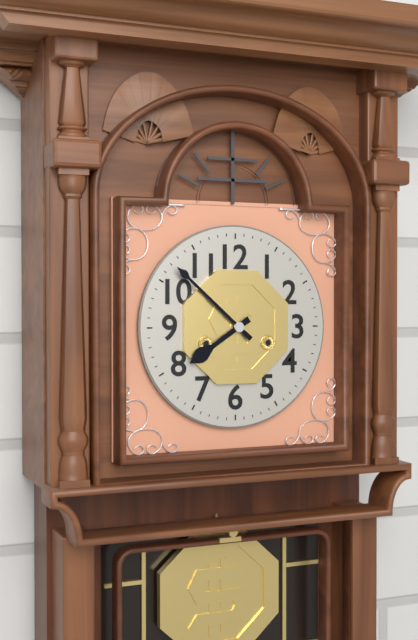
7:52
